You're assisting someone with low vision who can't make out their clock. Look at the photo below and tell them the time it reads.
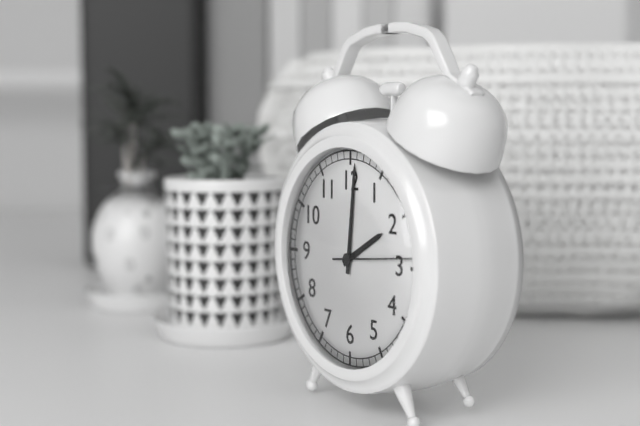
2:01:14
